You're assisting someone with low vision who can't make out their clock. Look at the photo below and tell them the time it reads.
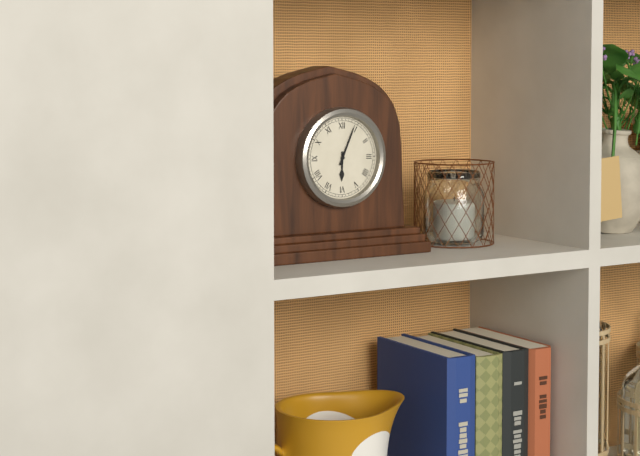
6:04
